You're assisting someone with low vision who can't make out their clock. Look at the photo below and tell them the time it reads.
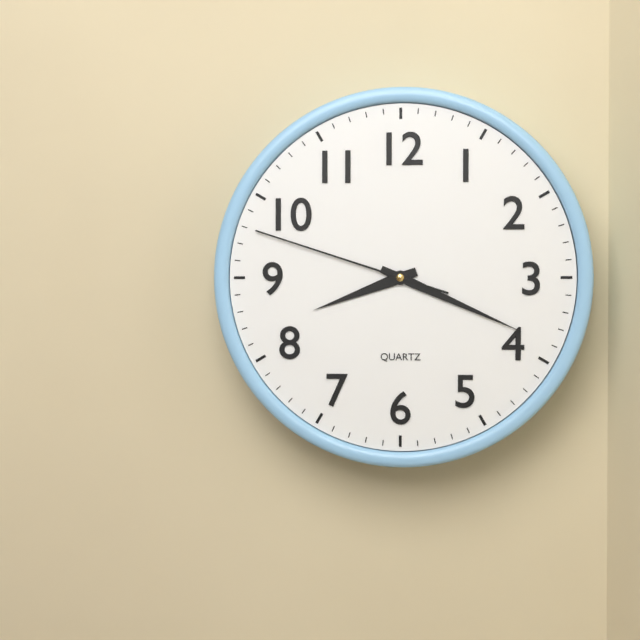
8:19:48
